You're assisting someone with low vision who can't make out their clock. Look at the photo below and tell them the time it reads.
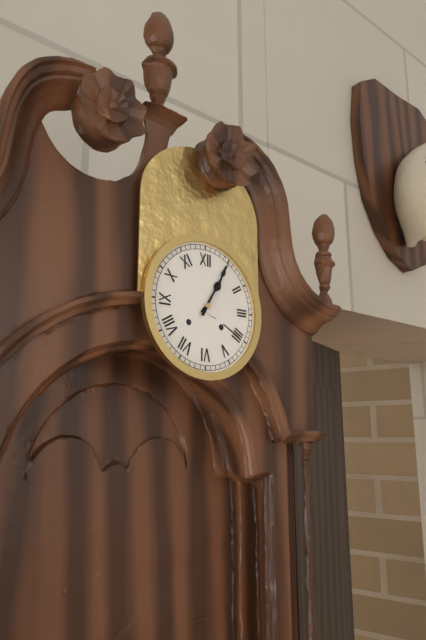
1:05
